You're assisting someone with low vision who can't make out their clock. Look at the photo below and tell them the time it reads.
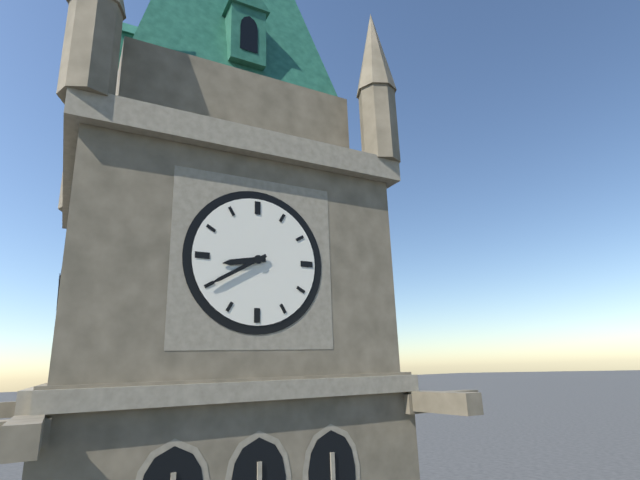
8:40
